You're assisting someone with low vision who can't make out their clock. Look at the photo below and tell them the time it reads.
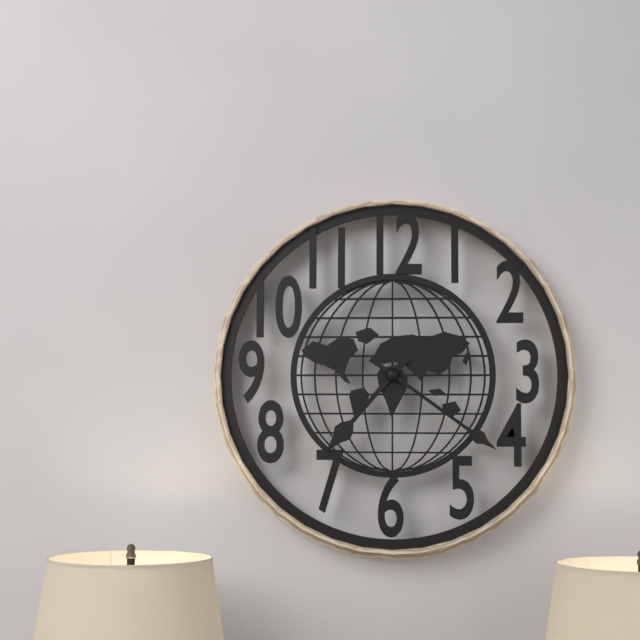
7:21
